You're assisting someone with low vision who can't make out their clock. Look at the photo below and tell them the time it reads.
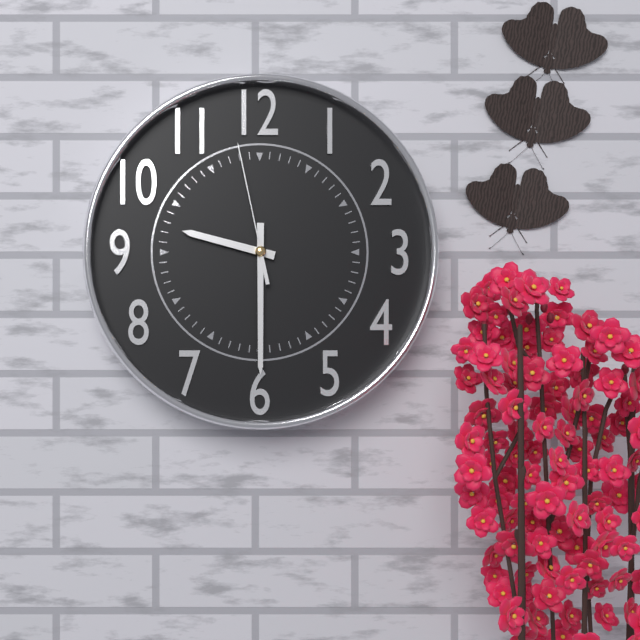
9:30:58
